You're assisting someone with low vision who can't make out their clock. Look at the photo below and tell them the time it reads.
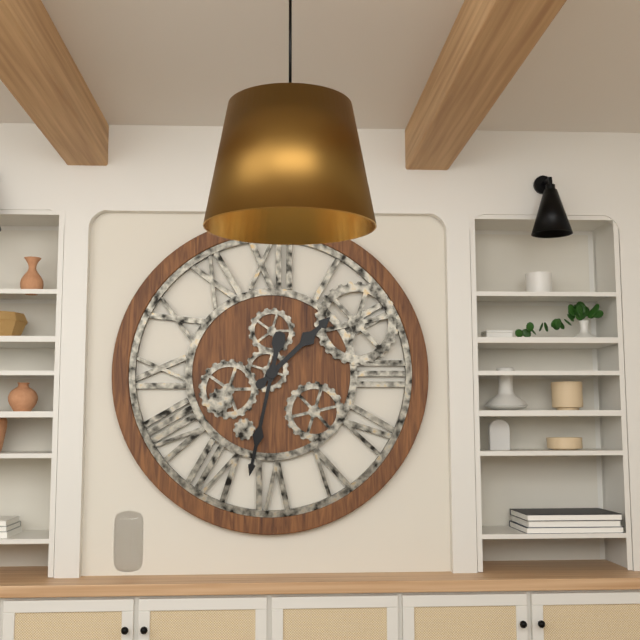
1:32
